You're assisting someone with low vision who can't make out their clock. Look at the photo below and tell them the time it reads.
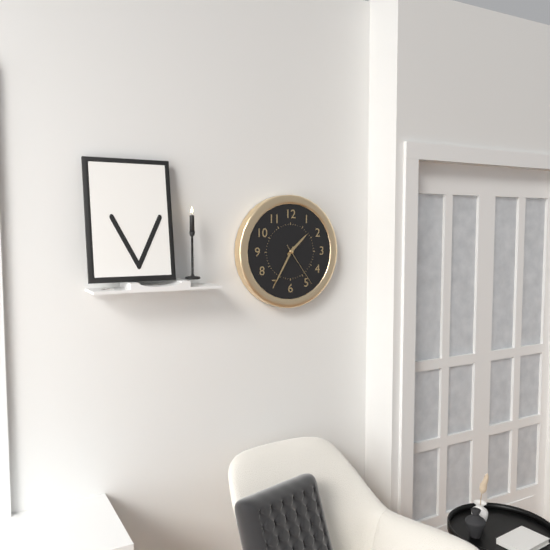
1:35
